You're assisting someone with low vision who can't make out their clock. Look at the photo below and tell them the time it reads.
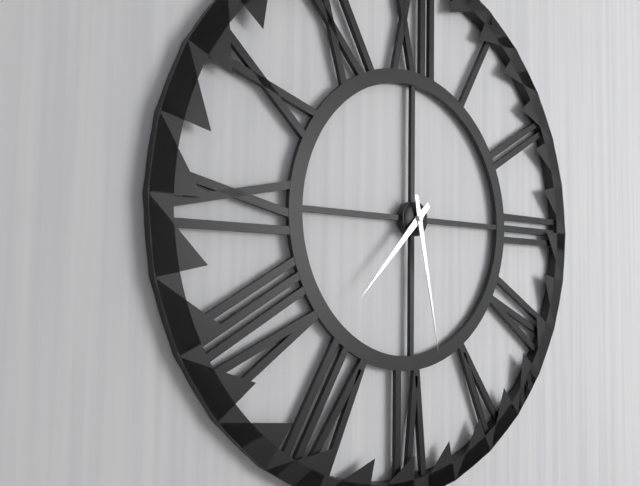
7:28
